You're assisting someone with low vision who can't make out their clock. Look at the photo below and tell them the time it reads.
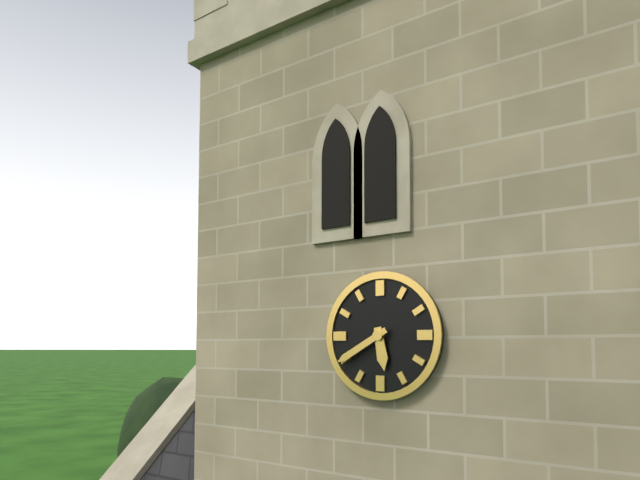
5:40
